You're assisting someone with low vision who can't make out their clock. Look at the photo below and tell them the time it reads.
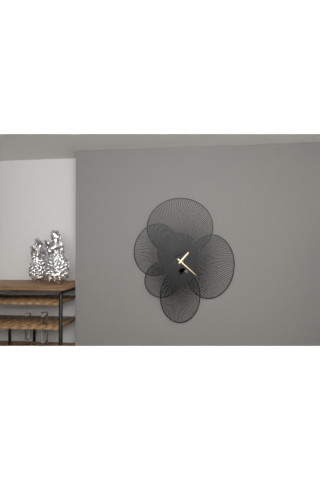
1:22
